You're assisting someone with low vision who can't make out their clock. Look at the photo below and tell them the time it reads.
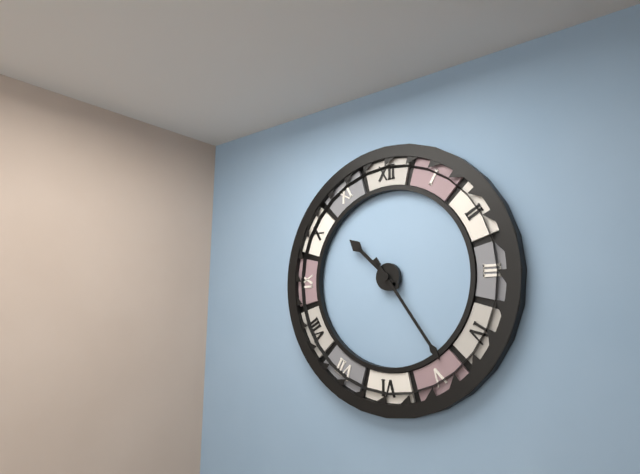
10:24
